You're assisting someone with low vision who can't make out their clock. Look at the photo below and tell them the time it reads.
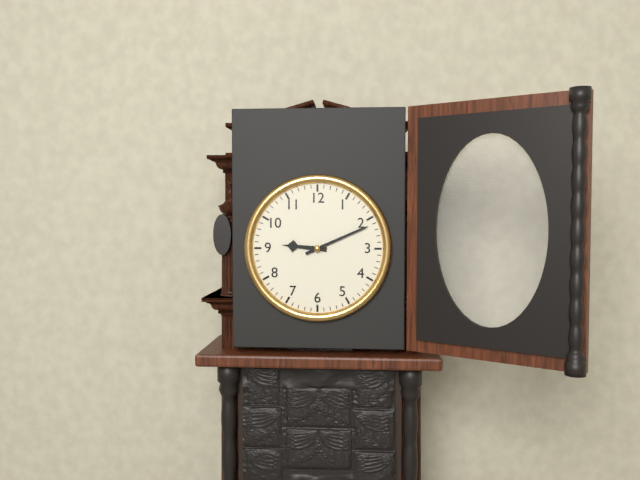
9:11
